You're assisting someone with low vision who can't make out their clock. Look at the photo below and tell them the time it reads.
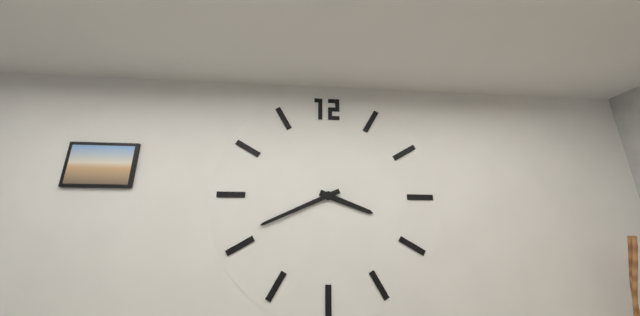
3:41
